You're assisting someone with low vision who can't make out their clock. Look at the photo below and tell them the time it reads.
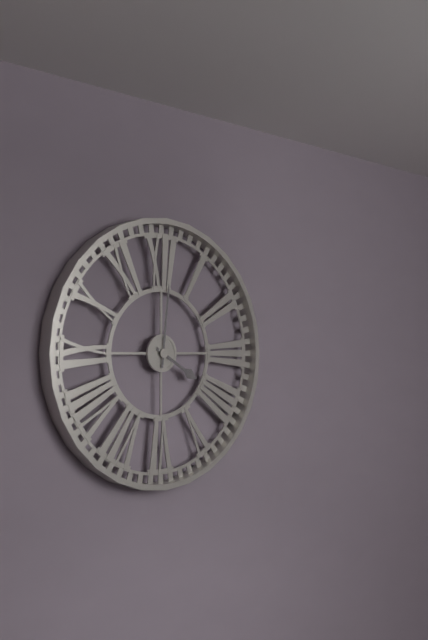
4:01
